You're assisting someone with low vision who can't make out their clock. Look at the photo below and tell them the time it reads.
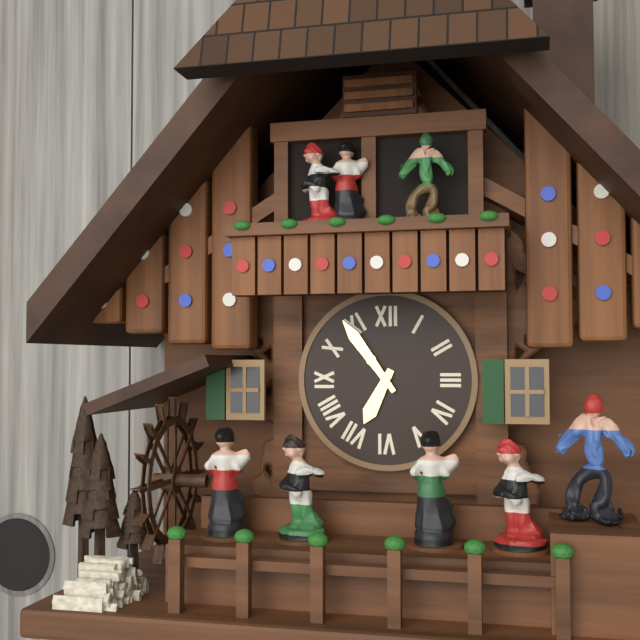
6:54
